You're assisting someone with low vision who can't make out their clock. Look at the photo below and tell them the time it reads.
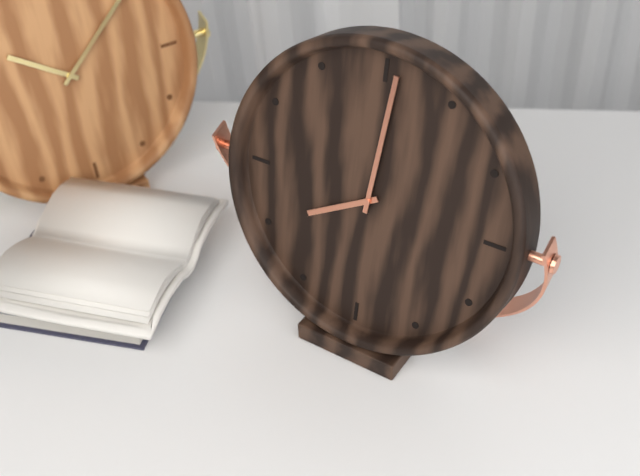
8:01
